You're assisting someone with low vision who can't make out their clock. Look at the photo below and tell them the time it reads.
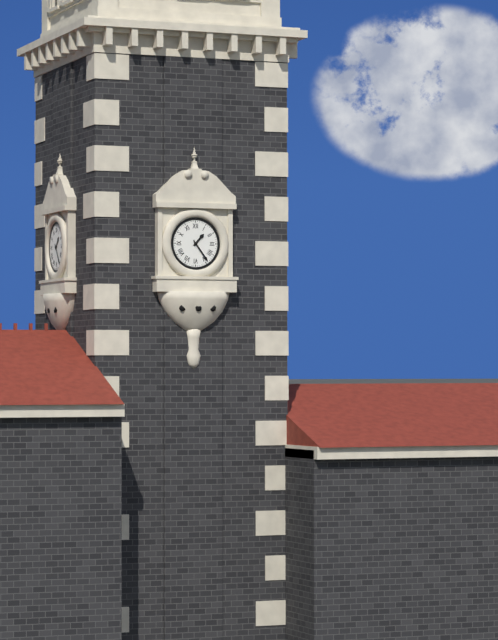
1:24
